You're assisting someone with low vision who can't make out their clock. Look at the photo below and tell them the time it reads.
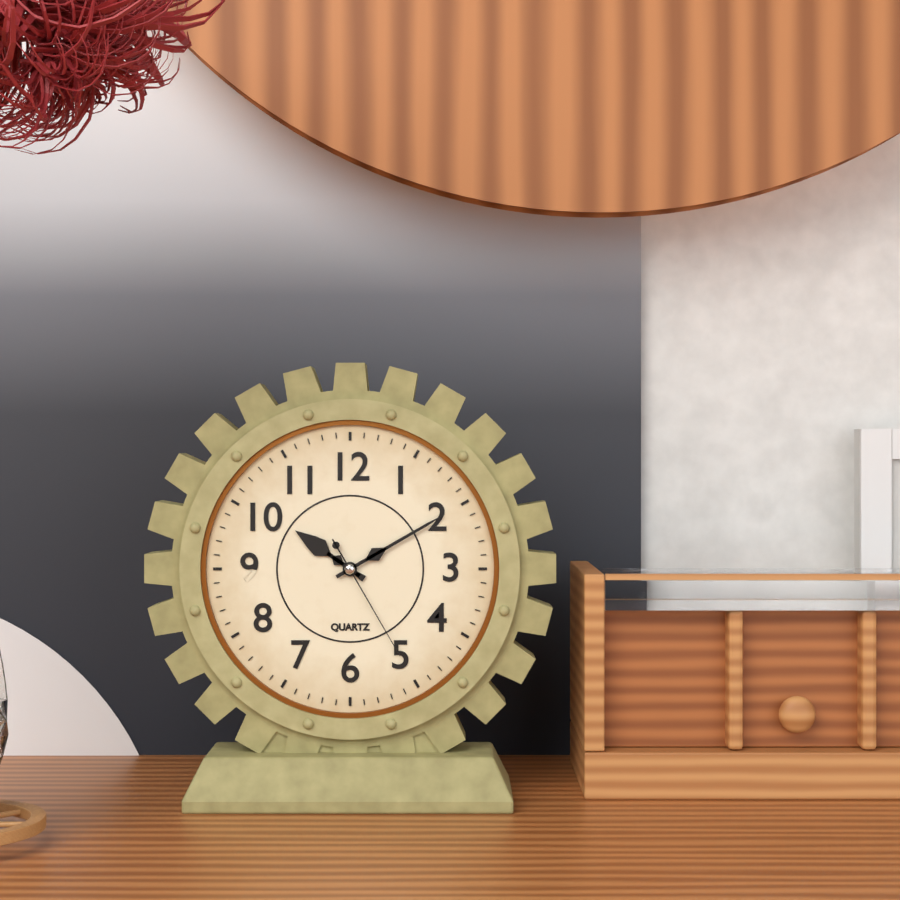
10:10:25
